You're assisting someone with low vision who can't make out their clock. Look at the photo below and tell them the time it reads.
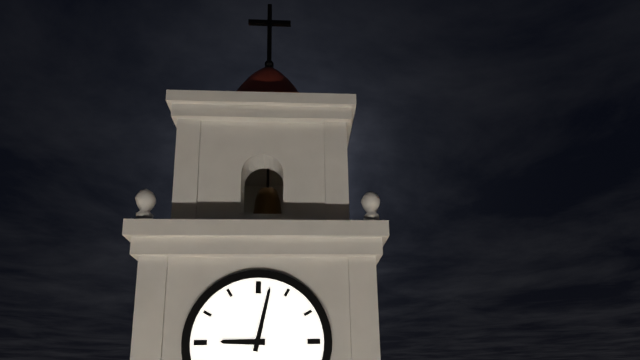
9:02
